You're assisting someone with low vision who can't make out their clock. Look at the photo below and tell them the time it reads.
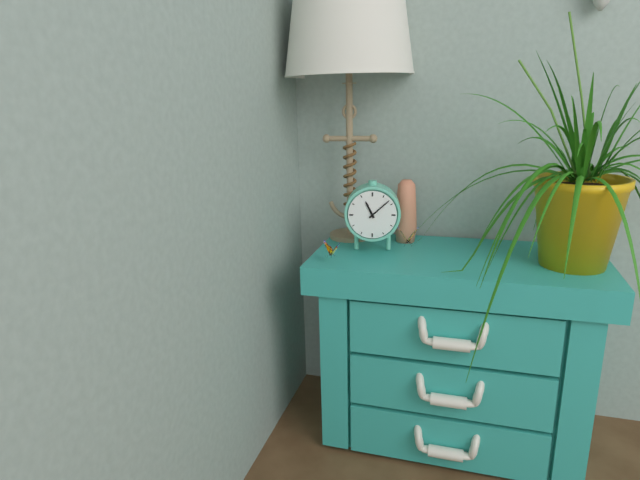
11:08
